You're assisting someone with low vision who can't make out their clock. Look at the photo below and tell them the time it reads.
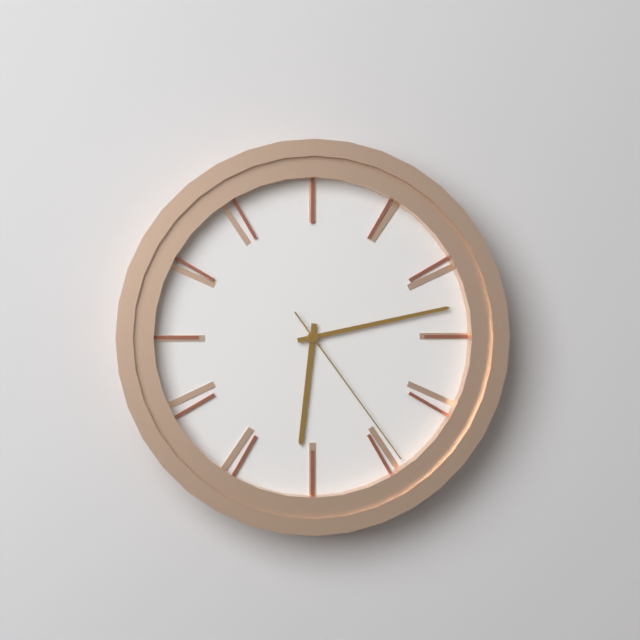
6:13:24
